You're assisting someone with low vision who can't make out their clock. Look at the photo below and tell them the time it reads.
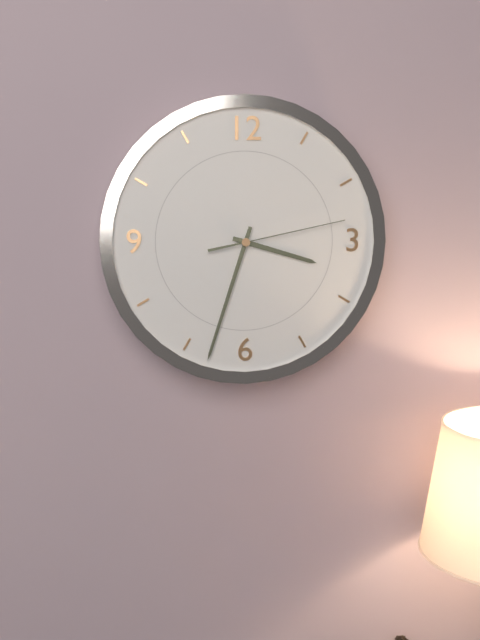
3:33:13
